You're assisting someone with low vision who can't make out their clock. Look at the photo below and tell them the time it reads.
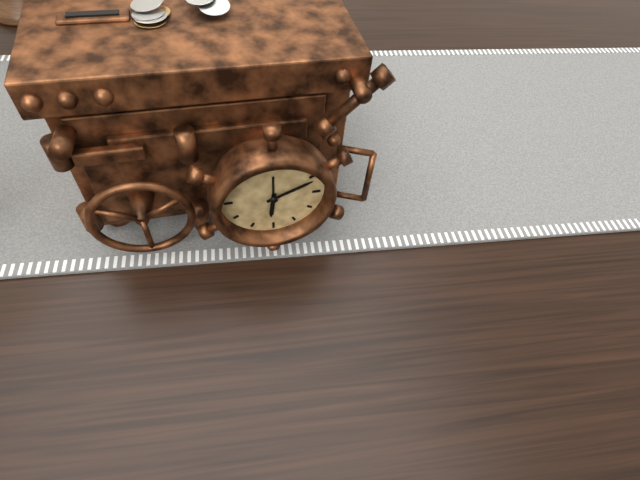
6:11
